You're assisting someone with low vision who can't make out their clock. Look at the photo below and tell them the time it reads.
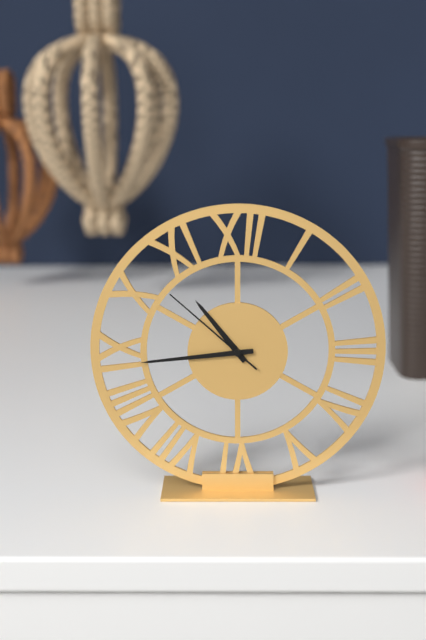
10:44:52
